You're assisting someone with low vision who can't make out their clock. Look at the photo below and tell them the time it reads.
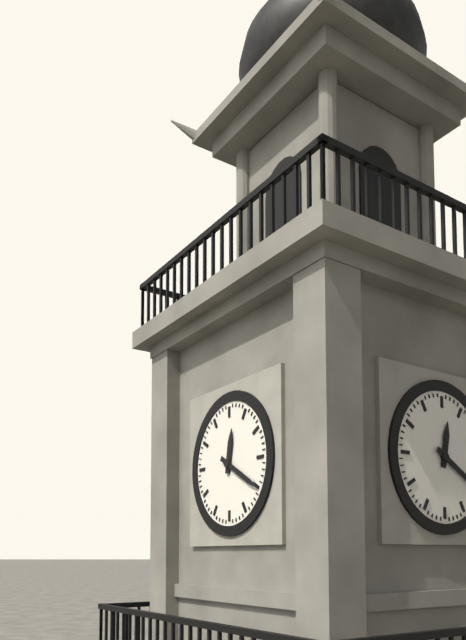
12:20
